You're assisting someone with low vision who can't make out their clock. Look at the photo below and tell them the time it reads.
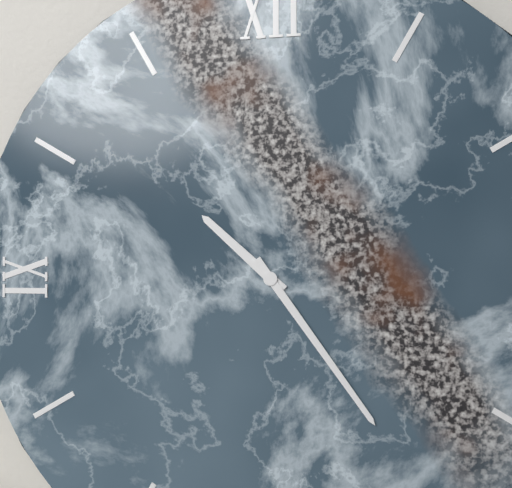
10:24
